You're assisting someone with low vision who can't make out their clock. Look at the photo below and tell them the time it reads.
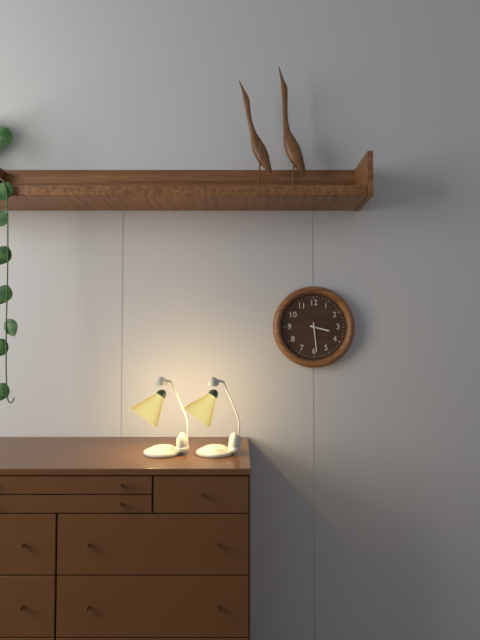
3:29
